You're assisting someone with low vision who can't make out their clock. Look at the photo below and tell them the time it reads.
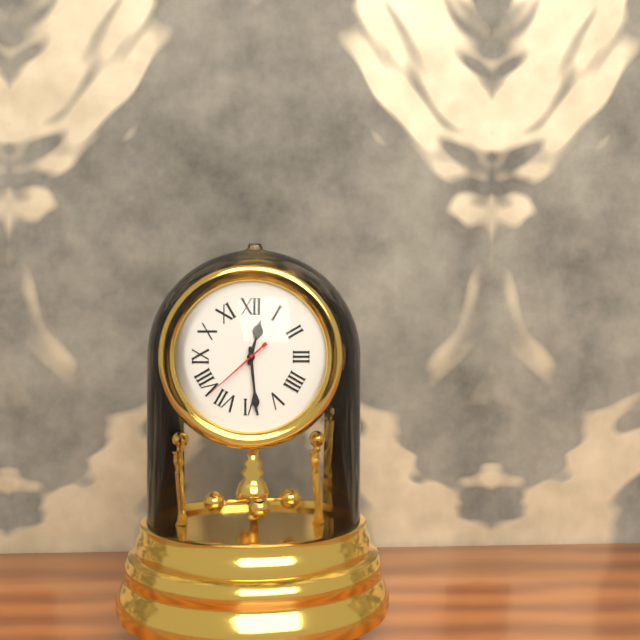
12:29:38
